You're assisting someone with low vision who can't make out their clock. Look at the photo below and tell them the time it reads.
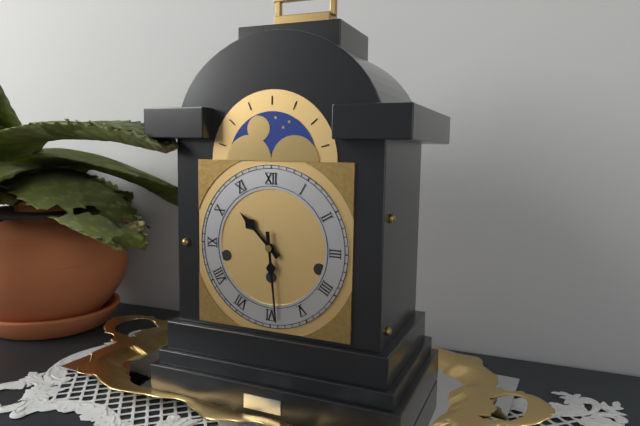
10:29
